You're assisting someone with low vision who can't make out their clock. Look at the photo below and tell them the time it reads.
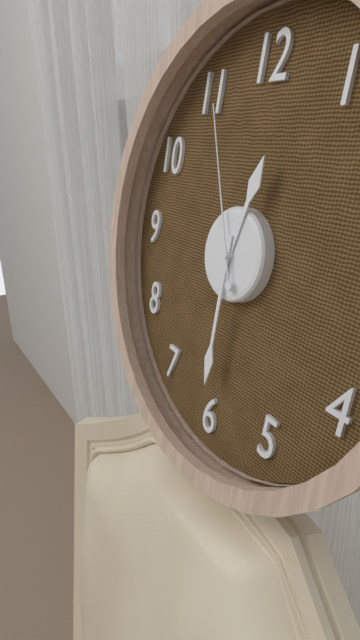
12:30:56
